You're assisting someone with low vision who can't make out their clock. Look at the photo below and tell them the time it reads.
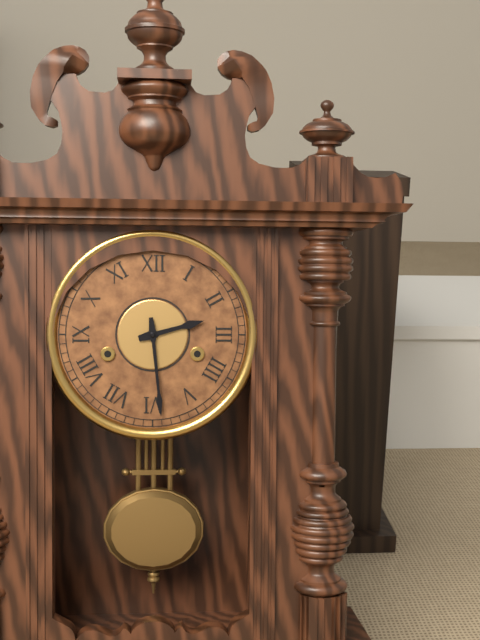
2:29
